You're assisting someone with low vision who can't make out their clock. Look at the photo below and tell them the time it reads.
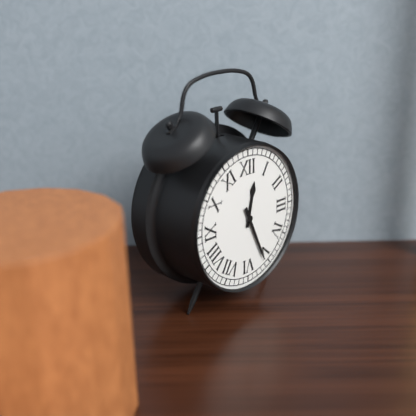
12:26
